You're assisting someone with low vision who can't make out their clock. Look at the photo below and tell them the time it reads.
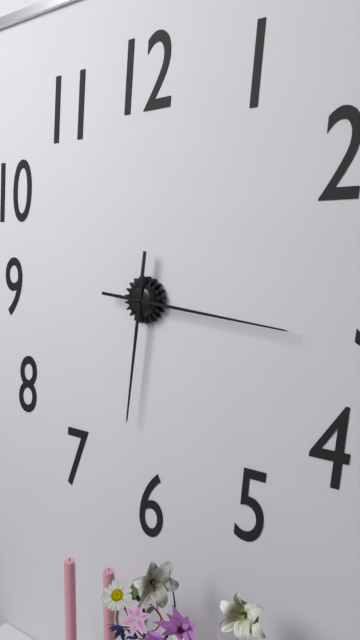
6:16
